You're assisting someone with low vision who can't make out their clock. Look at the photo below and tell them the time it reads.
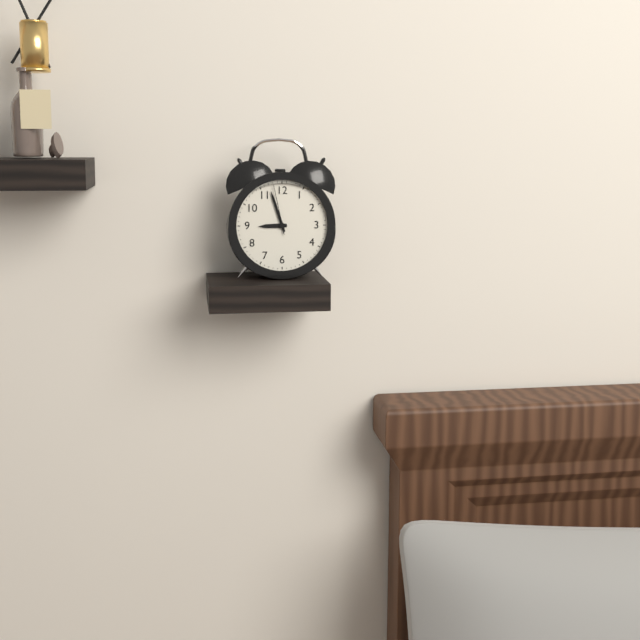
8:57:58
